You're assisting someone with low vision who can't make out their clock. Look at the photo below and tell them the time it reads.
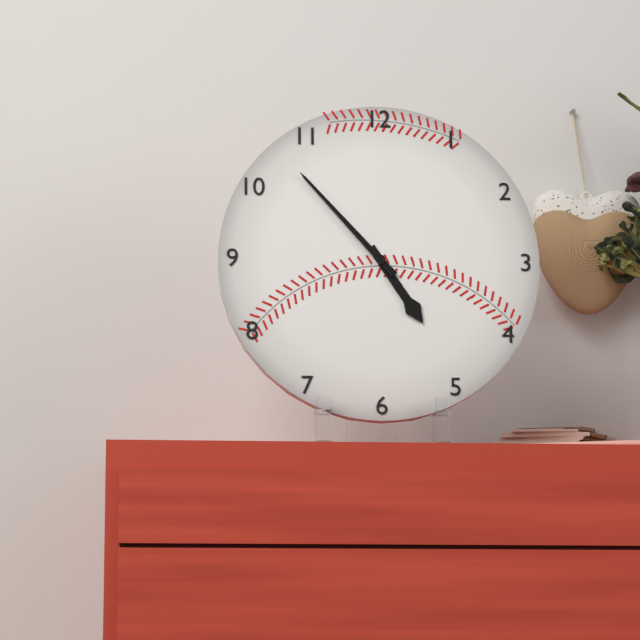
4:53
